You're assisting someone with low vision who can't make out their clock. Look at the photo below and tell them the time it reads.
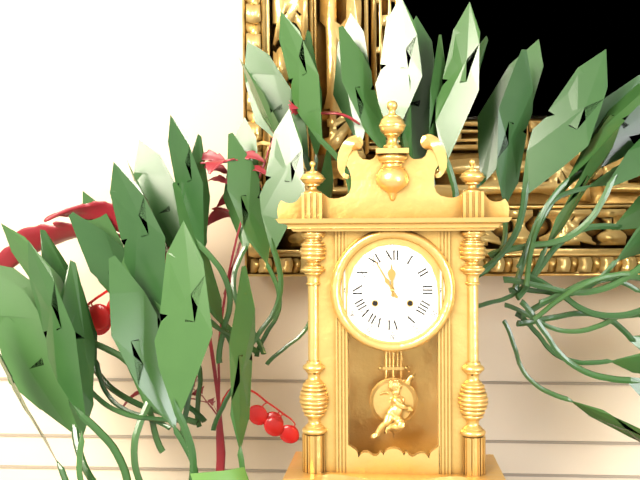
11:55
